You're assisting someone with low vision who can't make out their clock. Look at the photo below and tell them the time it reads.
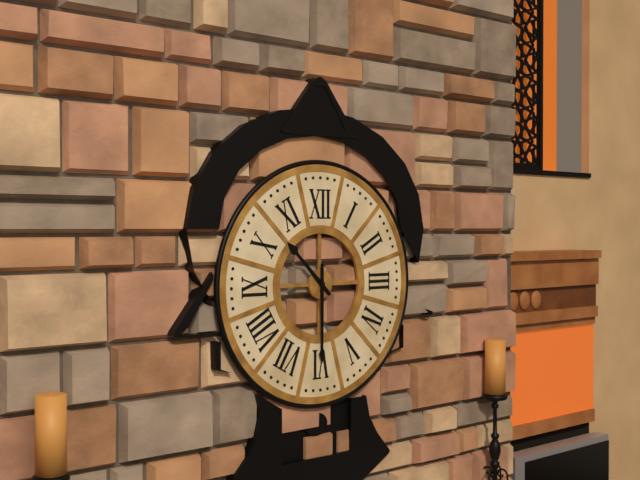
10:30
